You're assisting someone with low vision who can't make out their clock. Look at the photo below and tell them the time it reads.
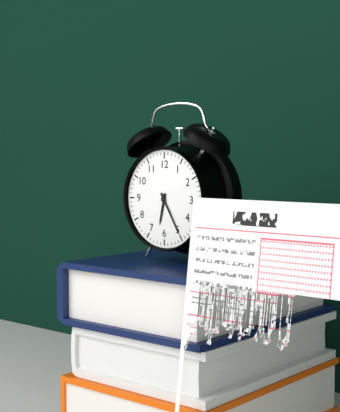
6:25
